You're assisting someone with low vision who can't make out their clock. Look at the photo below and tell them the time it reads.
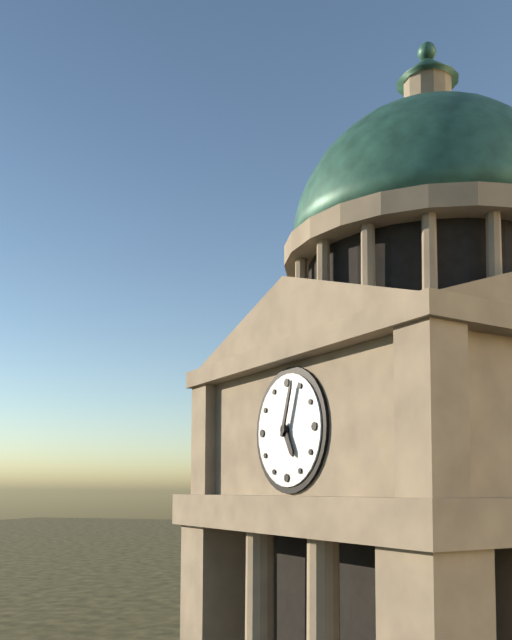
5:03
